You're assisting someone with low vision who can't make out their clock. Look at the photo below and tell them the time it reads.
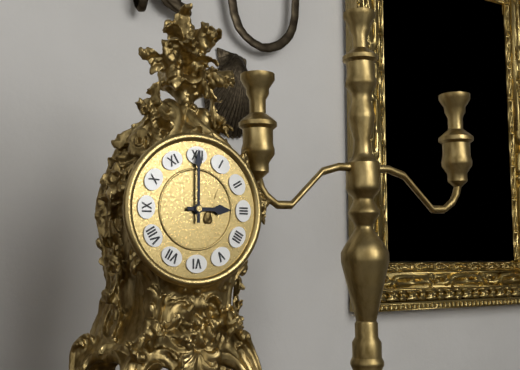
3:00
